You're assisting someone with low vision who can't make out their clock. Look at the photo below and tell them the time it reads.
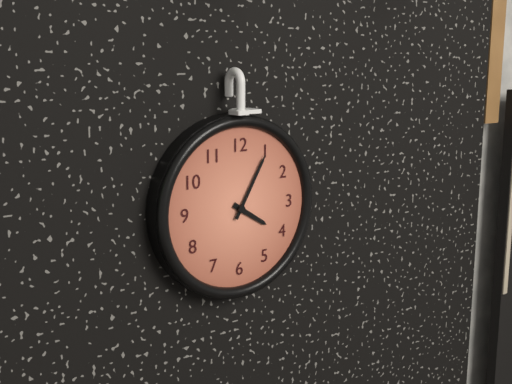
4:05
